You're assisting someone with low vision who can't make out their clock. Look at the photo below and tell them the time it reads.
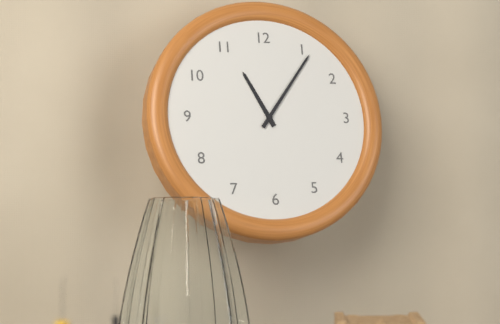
11:06
